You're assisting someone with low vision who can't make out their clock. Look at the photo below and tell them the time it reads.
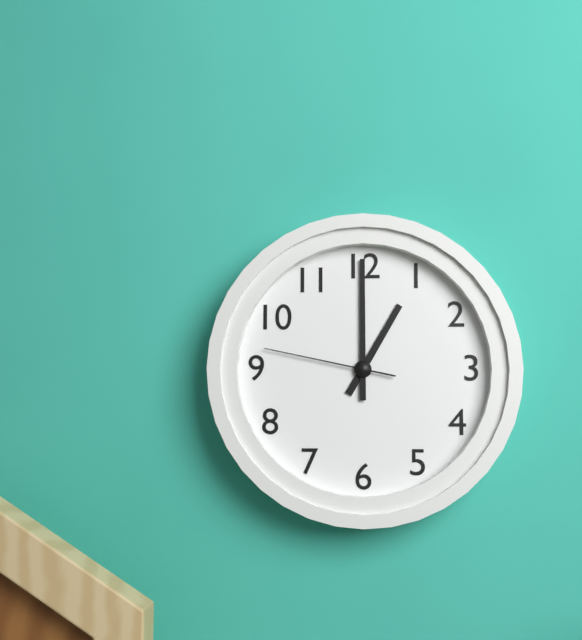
1:00:47
